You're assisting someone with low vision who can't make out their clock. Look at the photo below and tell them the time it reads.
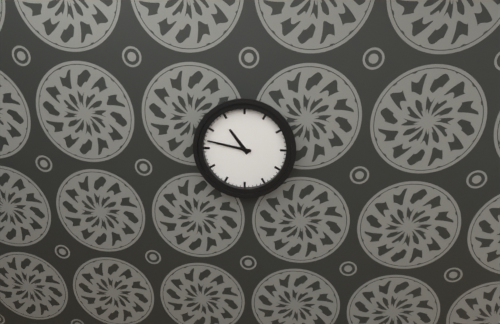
10:47
